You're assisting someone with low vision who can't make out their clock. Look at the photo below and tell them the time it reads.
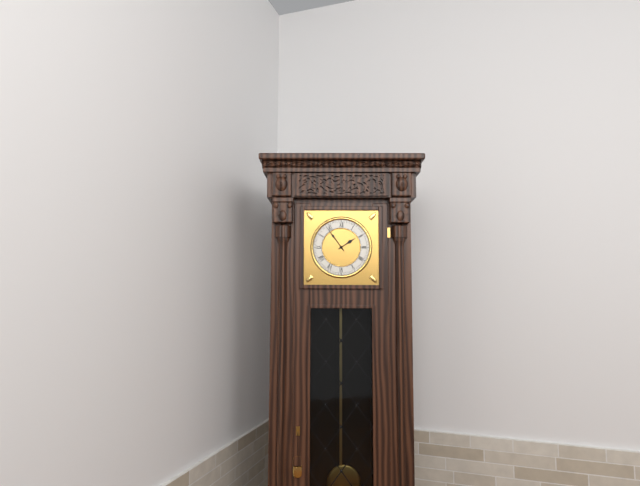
1:54
